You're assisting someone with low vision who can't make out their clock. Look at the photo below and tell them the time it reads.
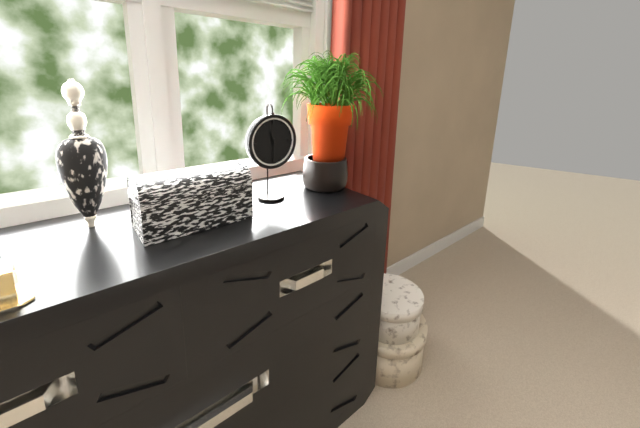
11:30
